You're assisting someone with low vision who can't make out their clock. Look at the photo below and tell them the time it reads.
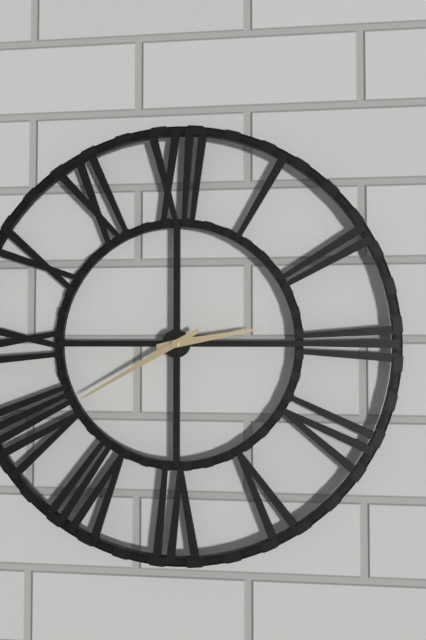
2:40
